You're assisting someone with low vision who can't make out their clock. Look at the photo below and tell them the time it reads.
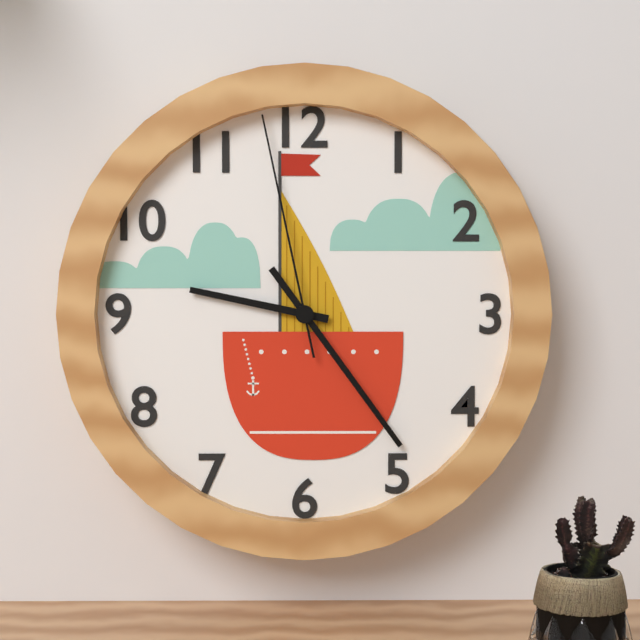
9:24:58
